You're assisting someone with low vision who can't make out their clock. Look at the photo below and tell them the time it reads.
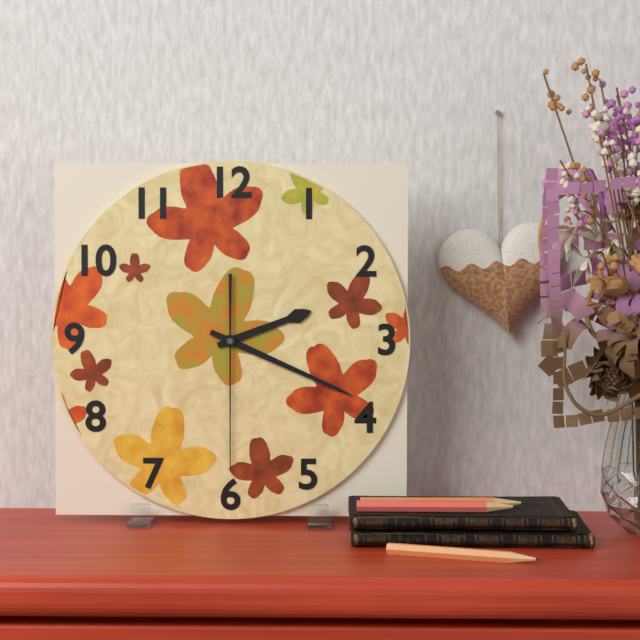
2:19:30
